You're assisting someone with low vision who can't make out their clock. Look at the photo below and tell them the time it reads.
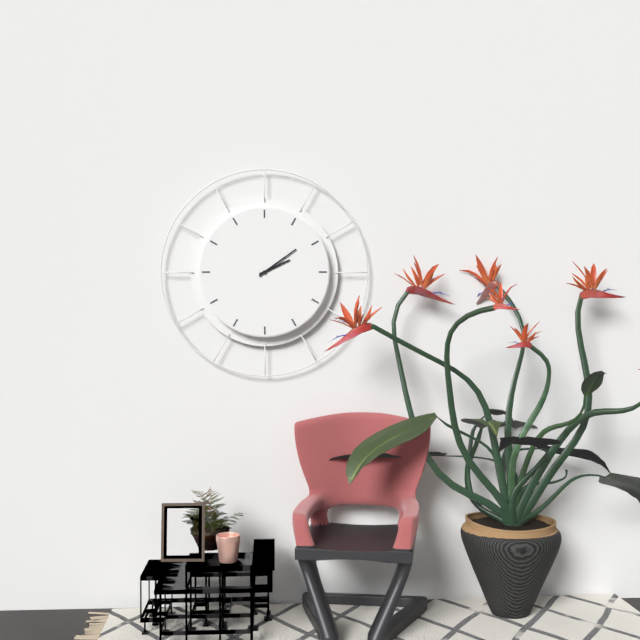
2:09
